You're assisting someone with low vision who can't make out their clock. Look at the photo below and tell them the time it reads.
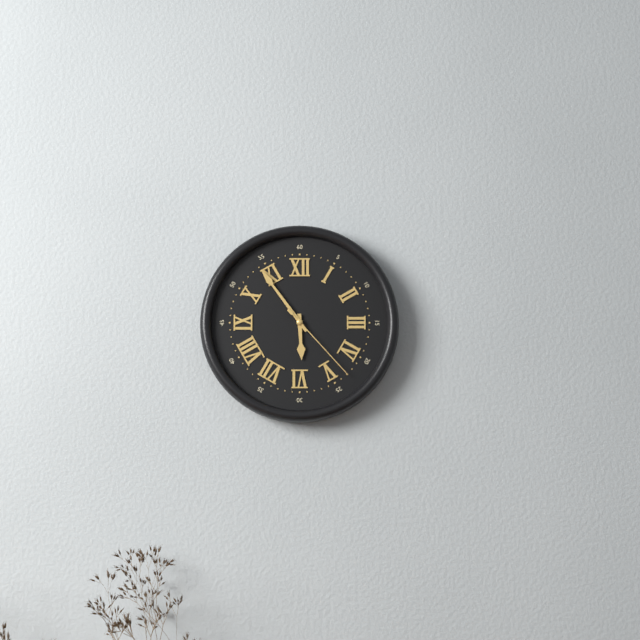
5:54:23
